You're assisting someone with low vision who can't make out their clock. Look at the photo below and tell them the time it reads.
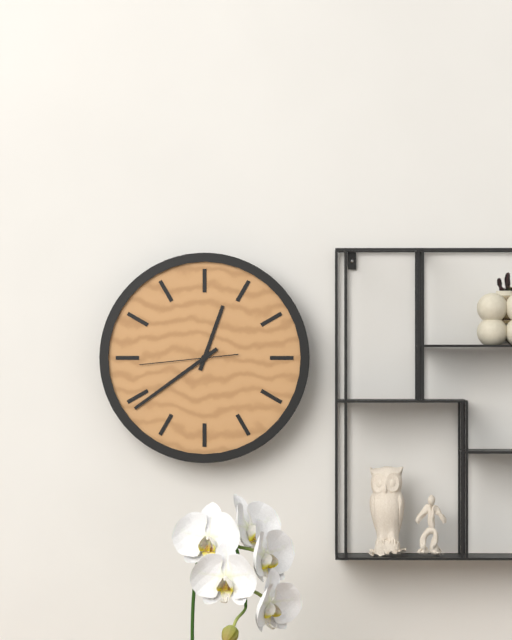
12:39:44
